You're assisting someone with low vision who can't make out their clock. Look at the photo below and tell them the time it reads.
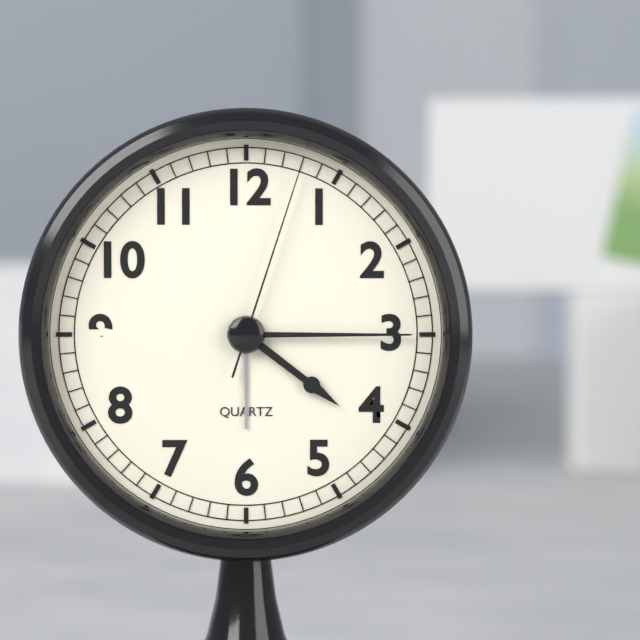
4:15:03
